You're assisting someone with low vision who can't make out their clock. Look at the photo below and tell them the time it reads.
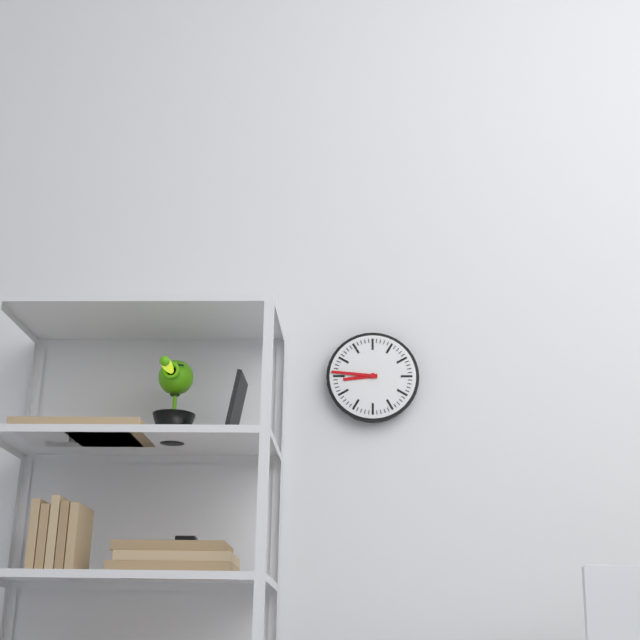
8:46
